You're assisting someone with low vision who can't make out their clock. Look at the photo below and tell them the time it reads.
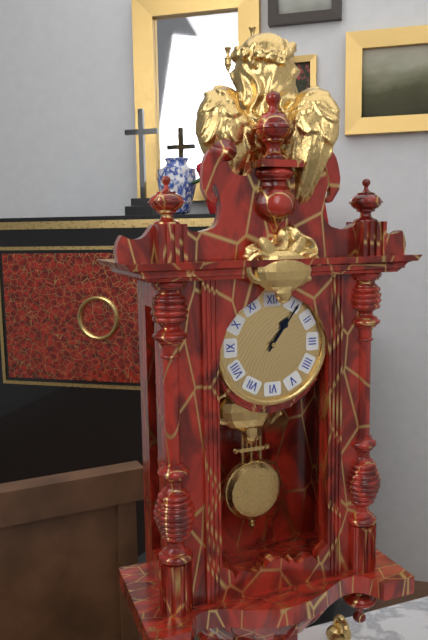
1:06
